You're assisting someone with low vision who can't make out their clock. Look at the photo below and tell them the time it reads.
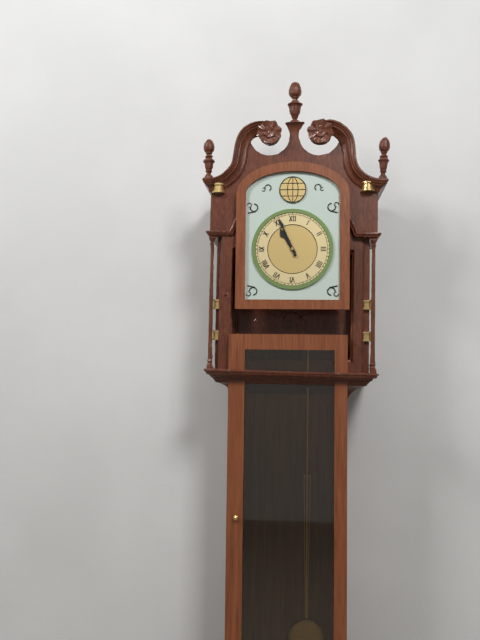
10:56
